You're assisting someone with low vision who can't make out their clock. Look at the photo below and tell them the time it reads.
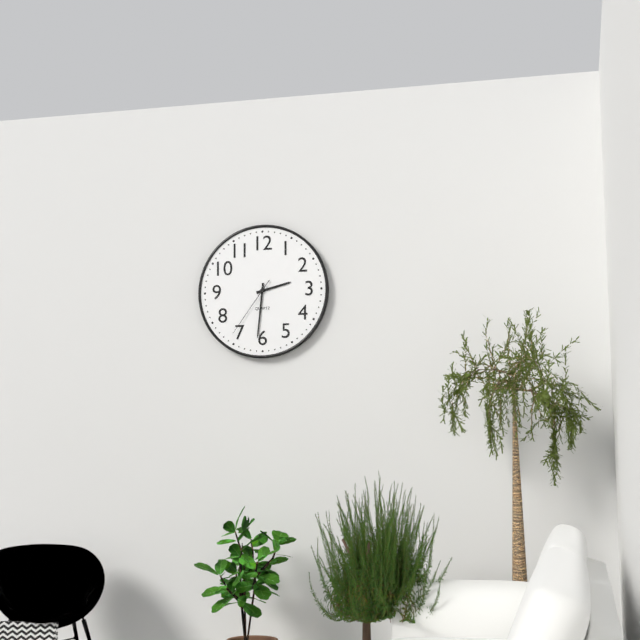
2:31:36
